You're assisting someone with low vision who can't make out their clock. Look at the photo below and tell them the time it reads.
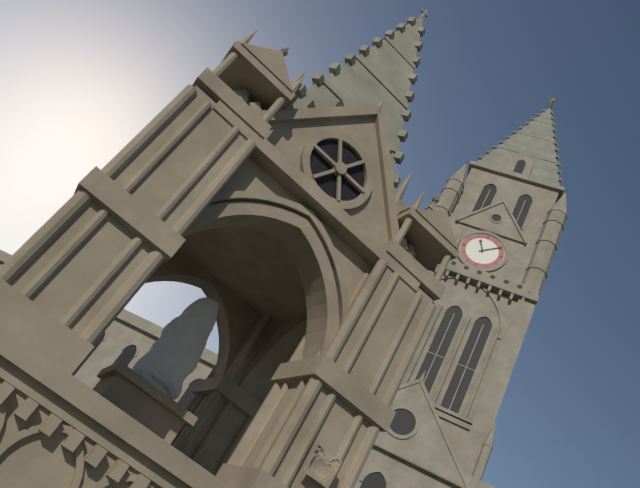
11:09
